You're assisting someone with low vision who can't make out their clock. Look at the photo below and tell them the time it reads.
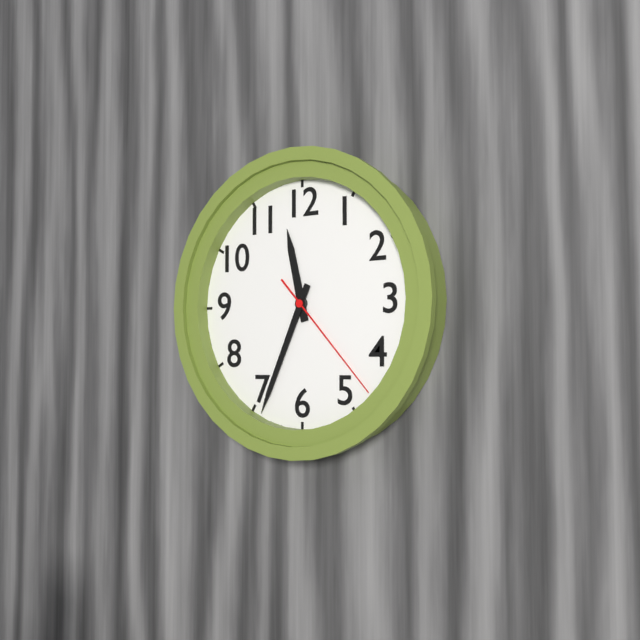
11:34:23
